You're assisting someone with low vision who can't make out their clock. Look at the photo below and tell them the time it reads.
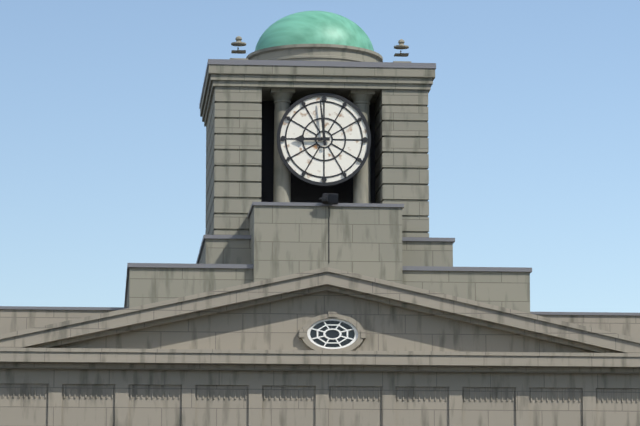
8:59
